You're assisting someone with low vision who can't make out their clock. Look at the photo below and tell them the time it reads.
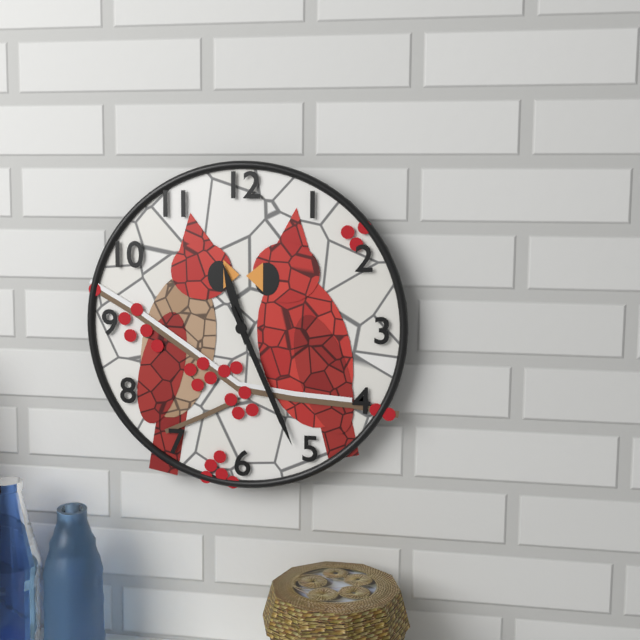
11:26
